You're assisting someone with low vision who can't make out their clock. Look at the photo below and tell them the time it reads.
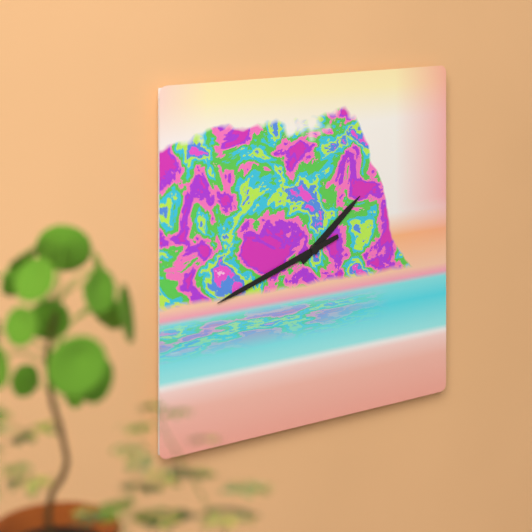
1:42
